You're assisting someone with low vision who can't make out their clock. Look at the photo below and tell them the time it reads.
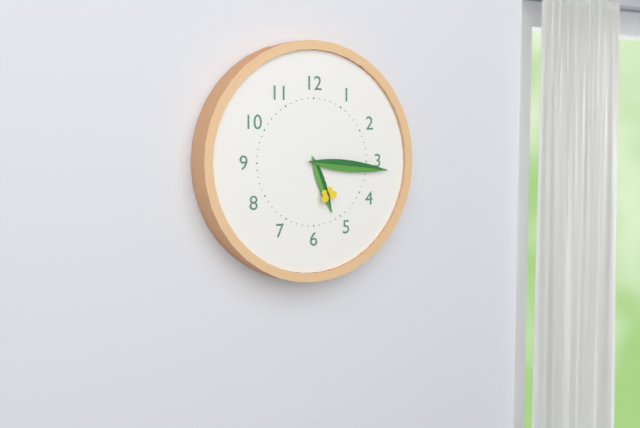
5:16
